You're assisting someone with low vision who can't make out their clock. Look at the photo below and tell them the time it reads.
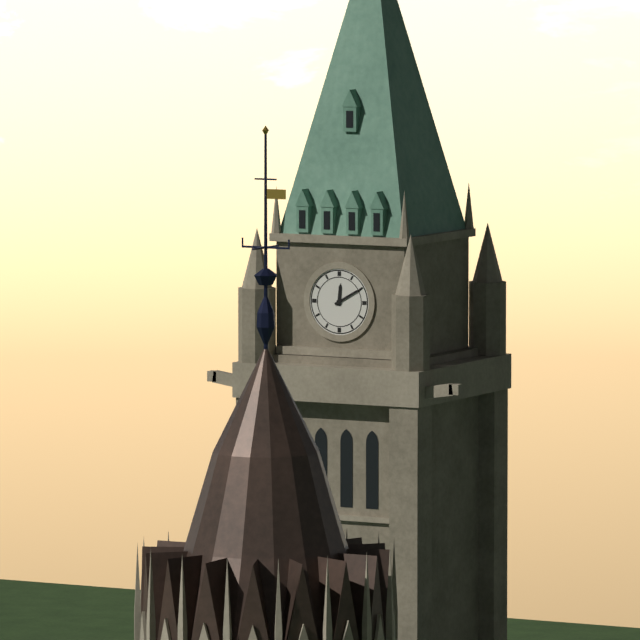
12:10
